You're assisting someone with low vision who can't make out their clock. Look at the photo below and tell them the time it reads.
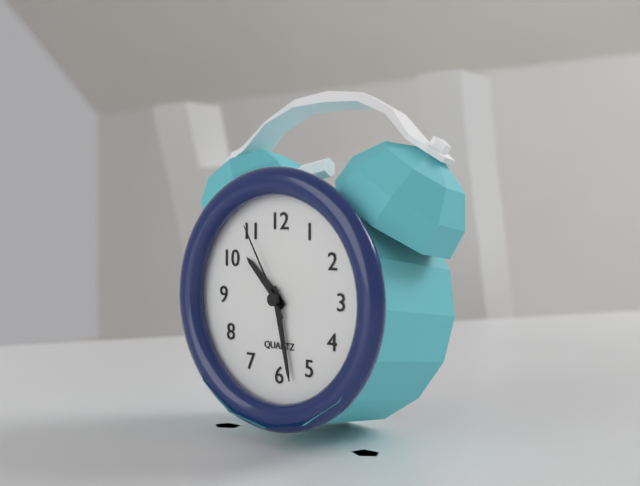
10:28:55
